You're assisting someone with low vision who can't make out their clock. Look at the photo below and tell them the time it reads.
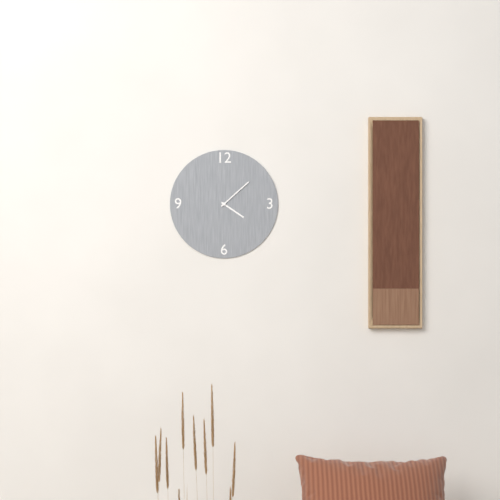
4:08
